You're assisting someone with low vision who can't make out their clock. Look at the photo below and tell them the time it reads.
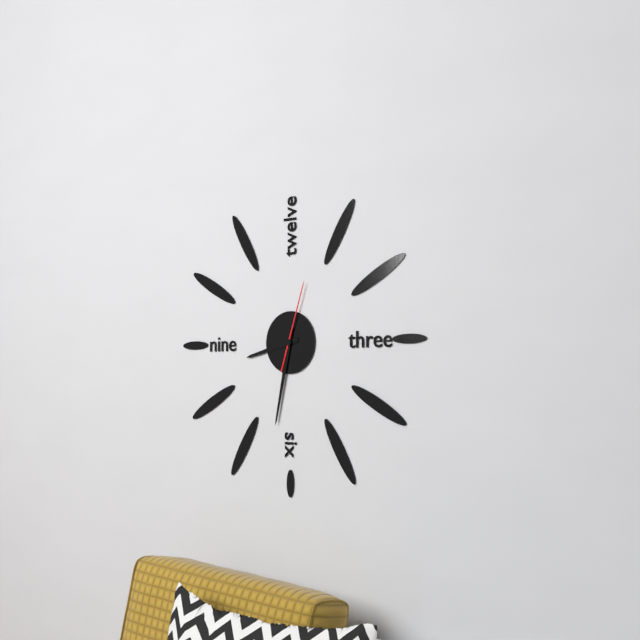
8:32:03
